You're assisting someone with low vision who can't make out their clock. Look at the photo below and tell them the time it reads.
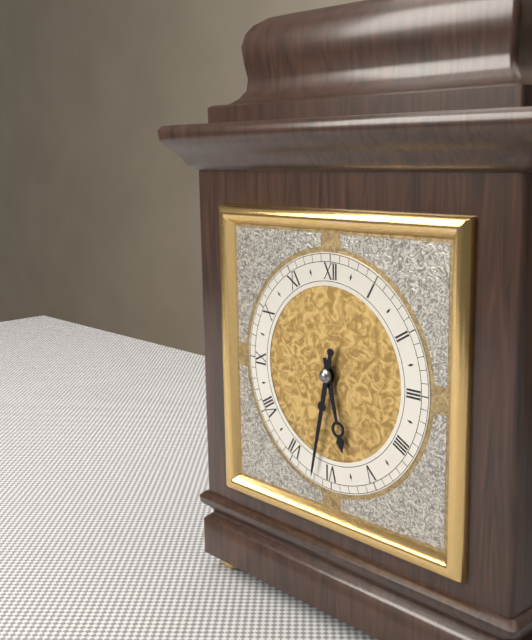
5:32
